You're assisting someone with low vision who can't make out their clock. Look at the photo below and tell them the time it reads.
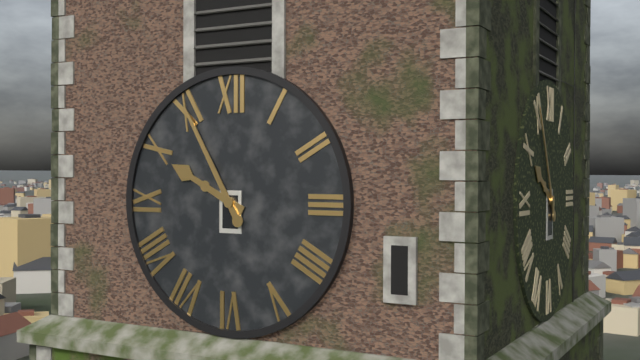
9:55
